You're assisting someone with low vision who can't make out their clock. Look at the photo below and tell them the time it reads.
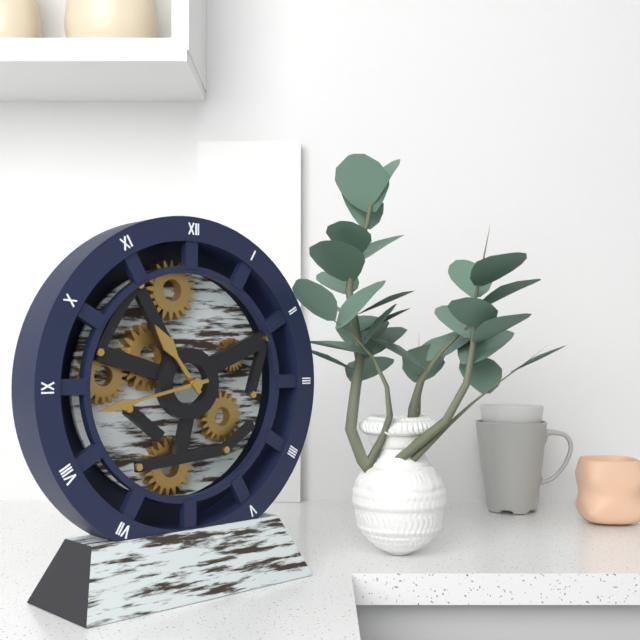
10:43
